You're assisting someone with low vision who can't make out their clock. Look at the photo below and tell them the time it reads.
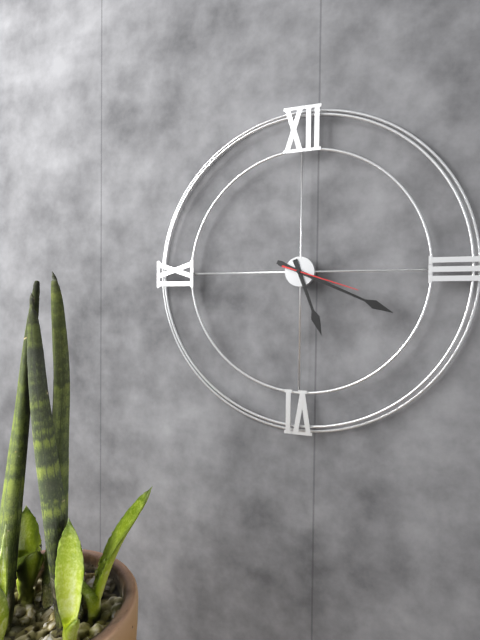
5:19:18
